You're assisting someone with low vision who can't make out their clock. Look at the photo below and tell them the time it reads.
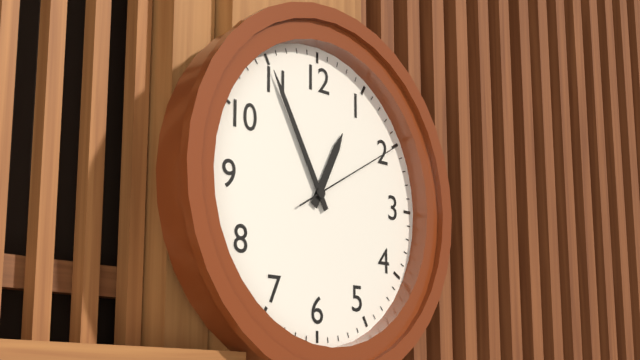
12:55:10
